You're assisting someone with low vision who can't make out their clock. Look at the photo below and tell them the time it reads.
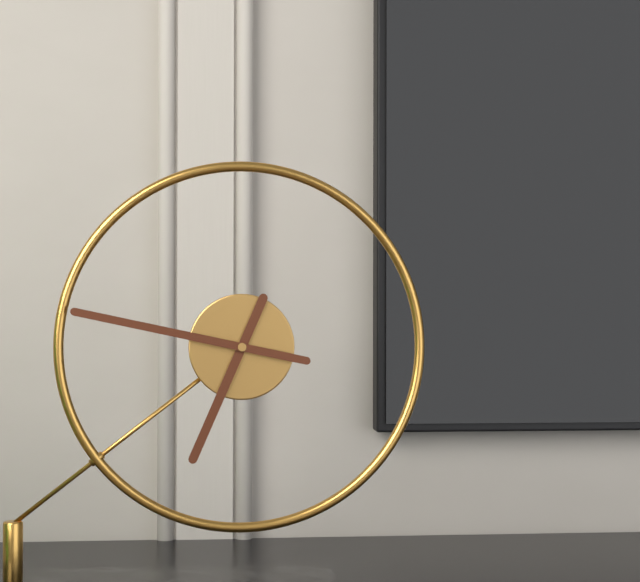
6:47
